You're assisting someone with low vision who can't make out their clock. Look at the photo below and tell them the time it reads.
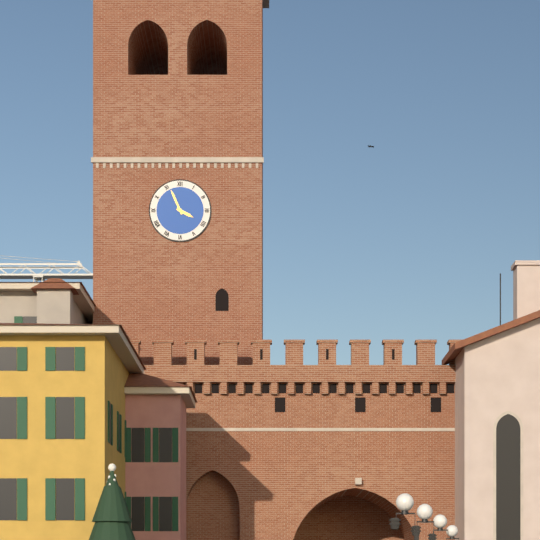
3:56
